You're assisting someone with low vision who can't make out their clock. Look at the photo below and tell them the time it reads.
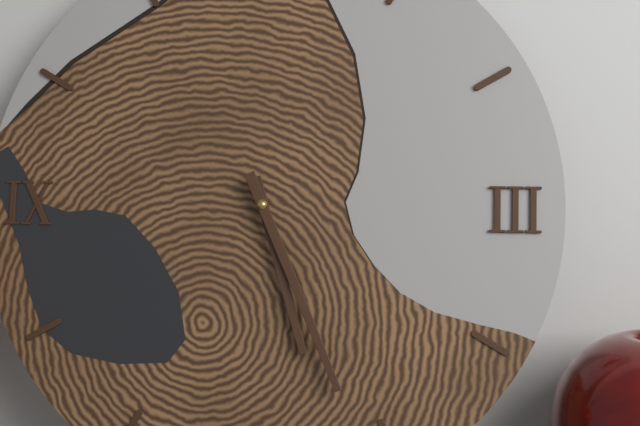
5:26
